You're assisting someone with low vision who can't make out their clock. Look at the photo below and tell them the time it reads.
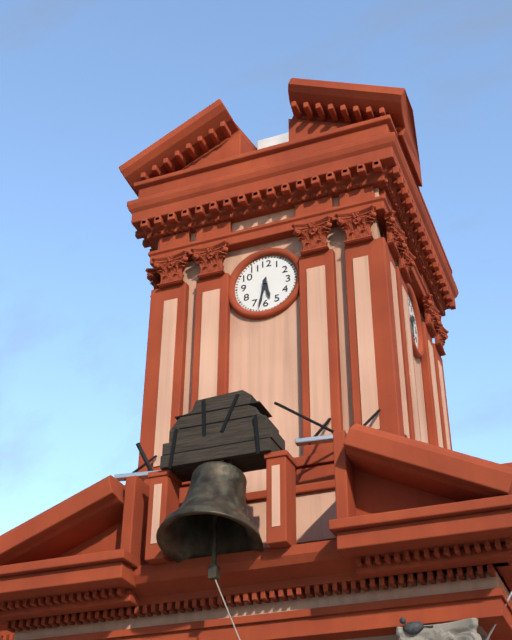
5:32
